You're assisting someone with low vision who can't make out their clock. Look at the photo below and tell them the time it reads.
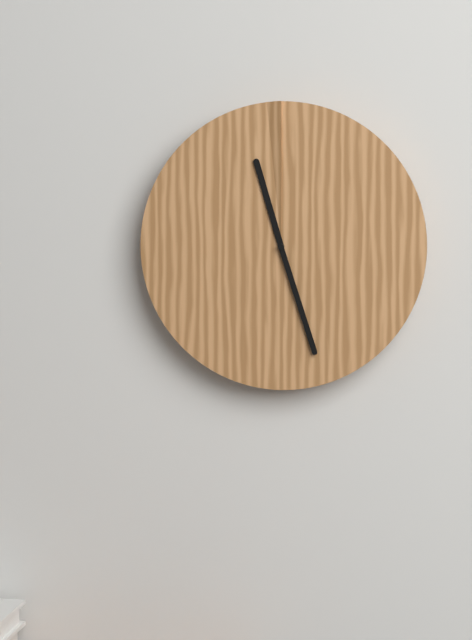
11:27
